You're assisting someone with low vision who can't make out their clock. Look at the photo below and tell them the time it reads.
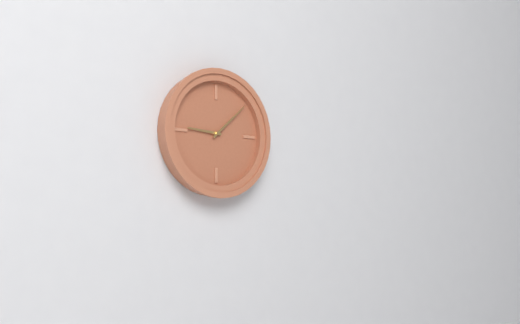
9:08
